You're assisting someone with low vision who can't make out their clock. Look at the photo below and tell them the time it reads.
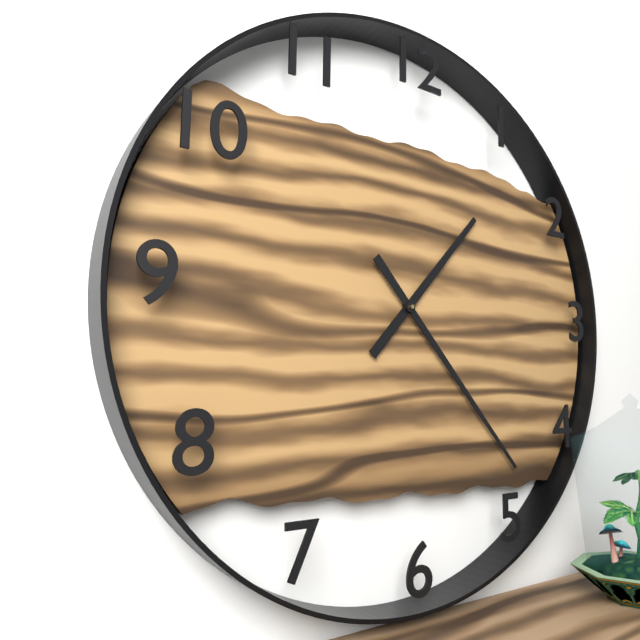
1:23
